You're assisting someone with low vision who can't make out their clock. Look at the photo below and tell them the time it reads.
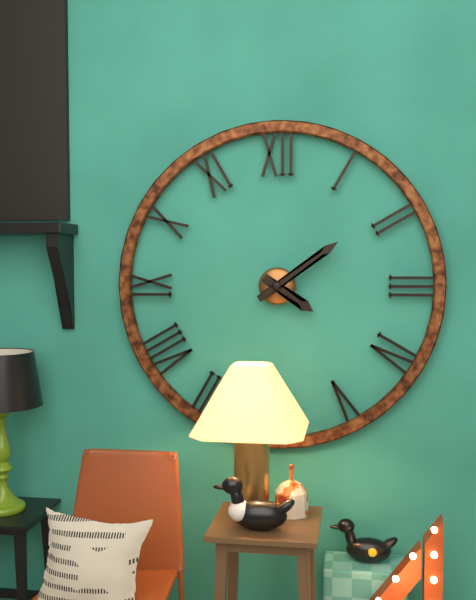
4:09
